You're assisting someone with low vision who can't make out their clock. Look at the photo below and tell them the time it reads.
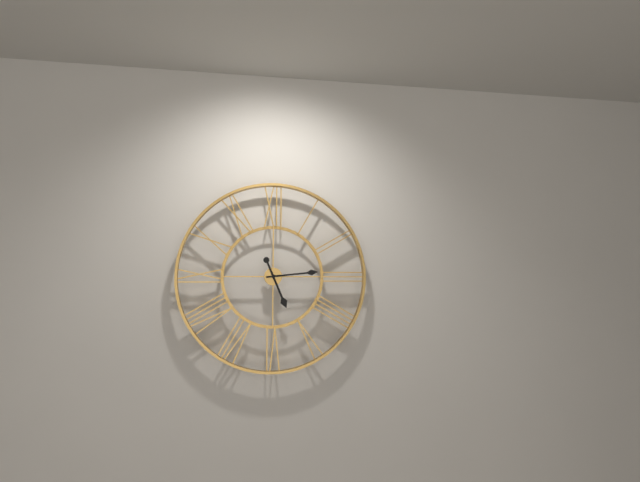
5:14
